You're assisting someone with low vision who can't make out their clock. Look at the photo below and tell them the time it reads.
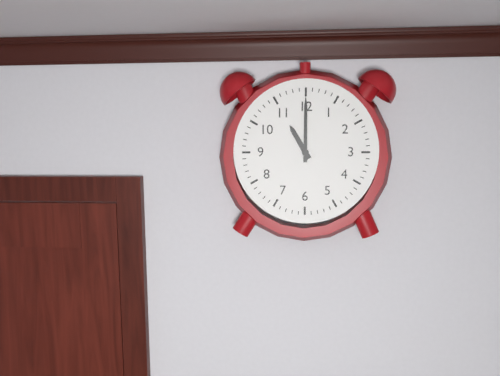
11:00
